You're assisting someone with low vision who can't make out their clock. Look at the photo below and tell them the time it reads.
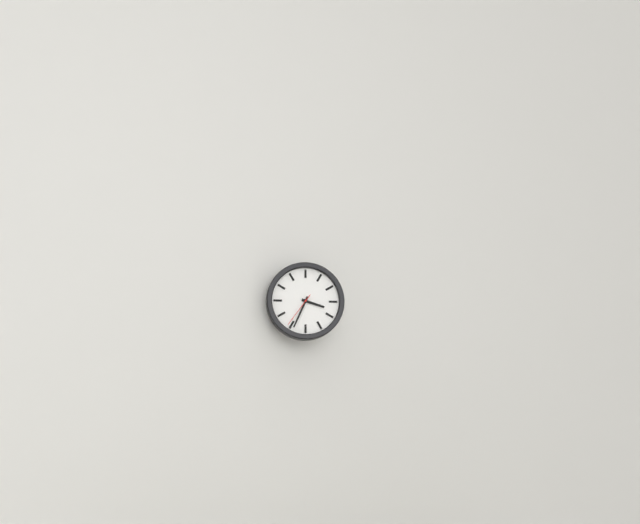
3:34
